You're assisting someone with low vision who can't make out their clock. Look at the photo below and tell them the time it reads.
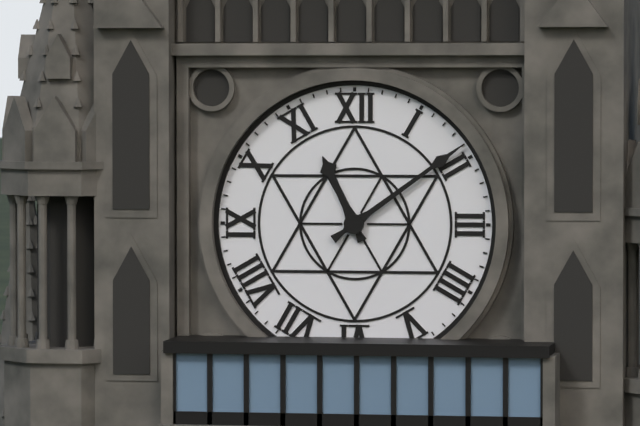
11:09
